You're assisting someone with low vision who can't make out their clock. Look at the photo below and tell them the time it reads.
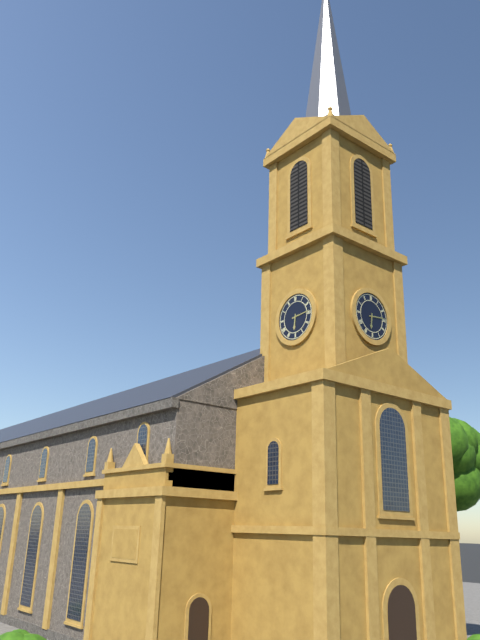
6:14
